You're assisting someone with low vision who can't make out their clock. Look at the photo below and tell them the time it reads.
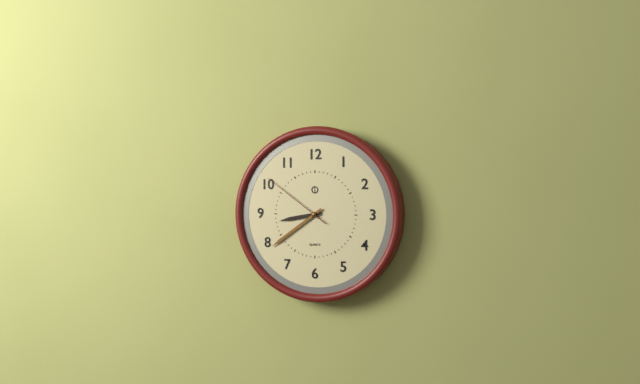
8:39:51
